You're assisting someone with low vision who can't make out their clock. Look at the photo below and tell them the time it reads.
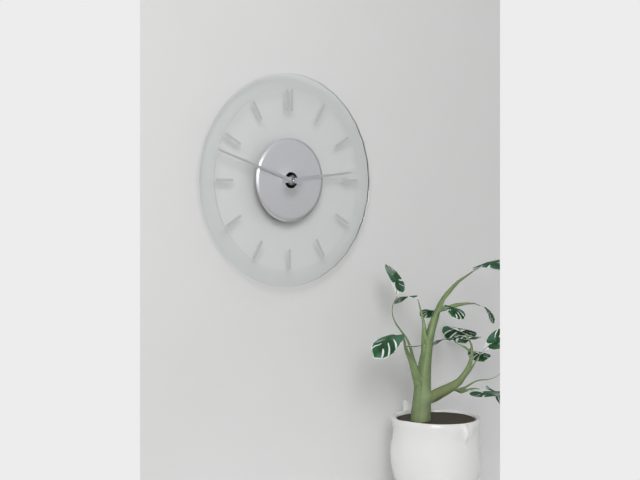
2:48
